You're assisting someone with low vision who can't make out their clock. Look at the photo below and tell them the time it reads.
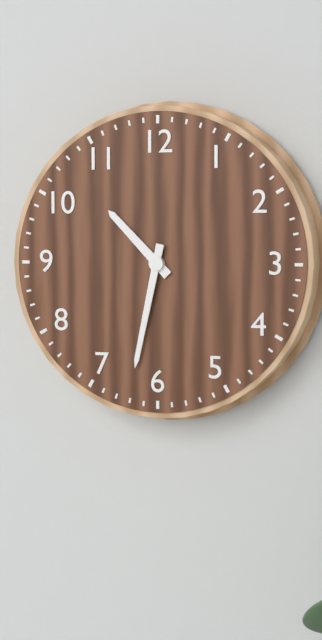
10:32
